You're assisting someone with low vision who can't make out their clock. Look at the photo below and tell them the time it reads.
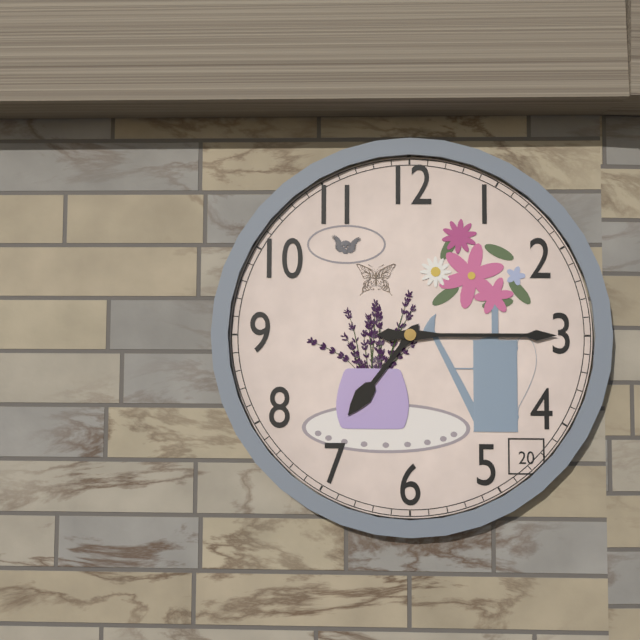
7:15
